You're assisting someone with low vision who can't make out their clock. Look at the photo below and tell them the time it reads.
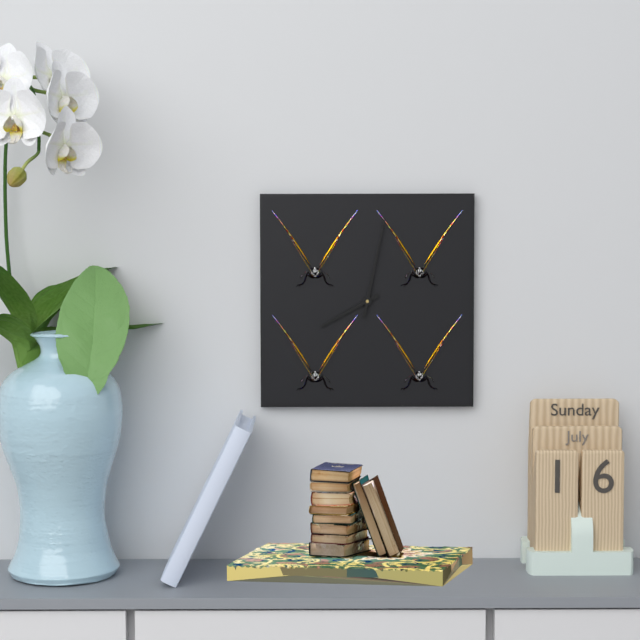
8:02
